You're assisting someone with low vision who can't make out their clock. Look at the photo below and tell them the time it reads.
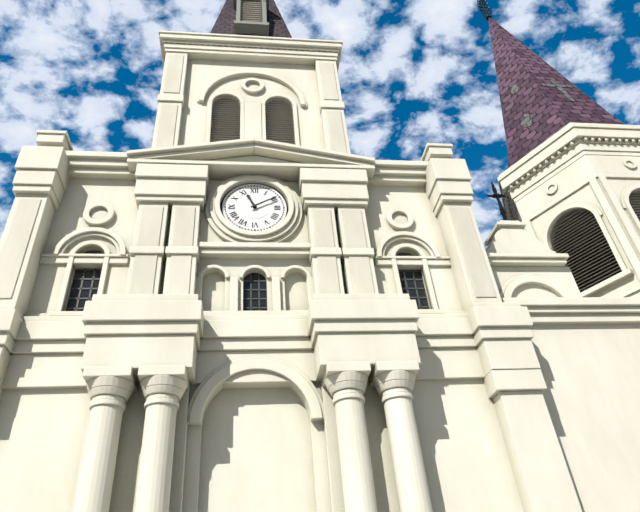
11:10
